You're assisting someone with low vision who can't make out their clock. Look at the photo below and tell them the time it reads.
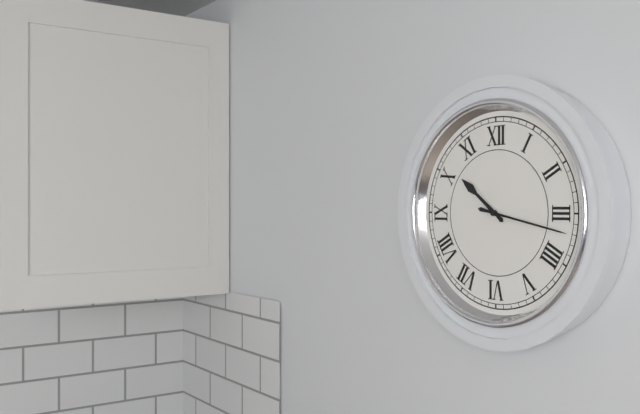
10:17
